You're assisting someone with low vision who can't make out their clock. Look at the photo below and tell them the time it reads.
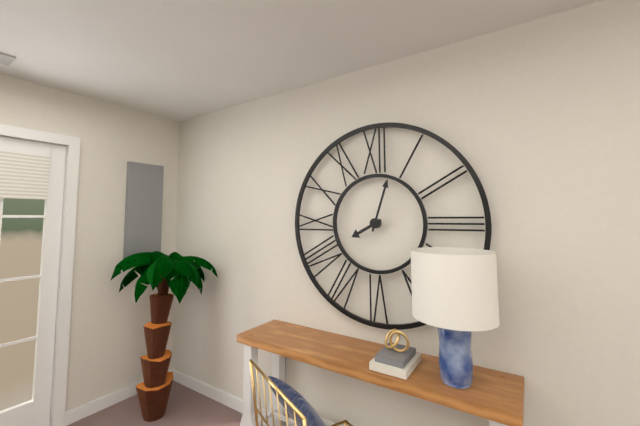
8:03
